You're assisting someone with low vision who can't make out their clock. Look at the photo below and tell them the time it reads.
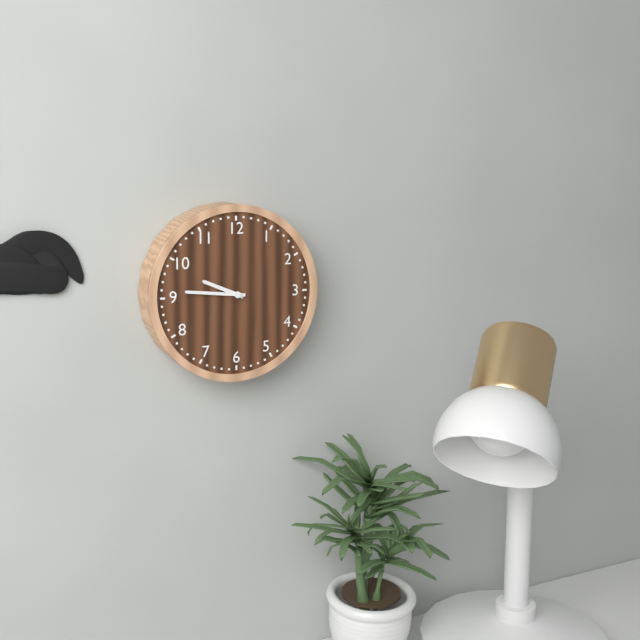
9:46
